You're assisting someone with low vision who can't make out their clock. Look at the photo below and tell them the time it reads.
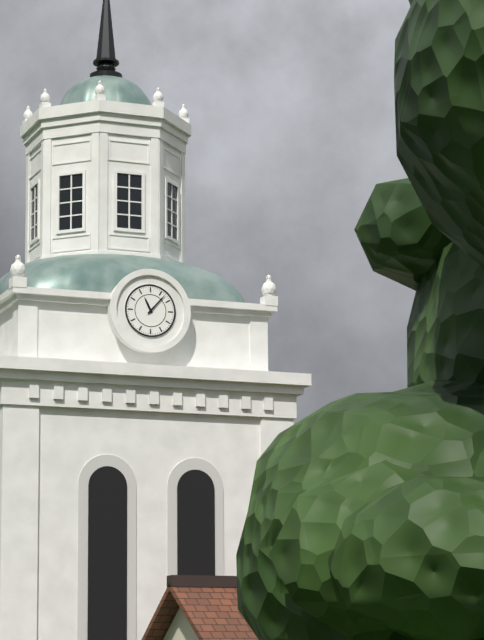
11:07
